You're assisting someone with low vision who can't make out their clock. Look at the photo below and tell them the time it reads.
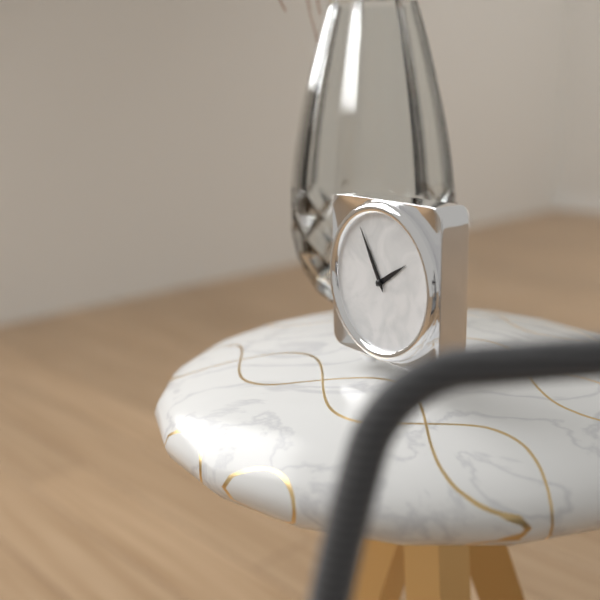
1:55
